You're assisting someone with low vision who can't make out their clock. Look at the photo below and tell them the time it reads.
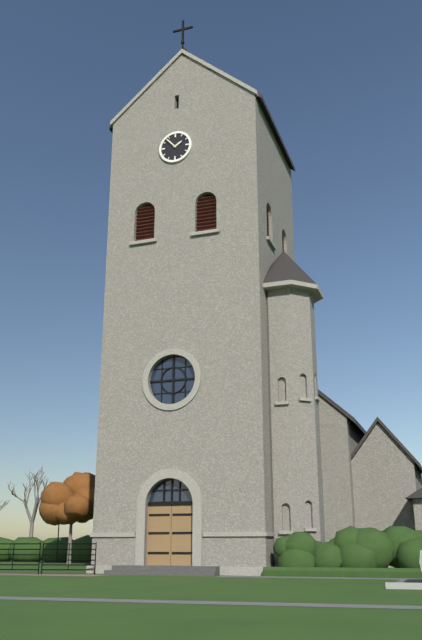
1:53
